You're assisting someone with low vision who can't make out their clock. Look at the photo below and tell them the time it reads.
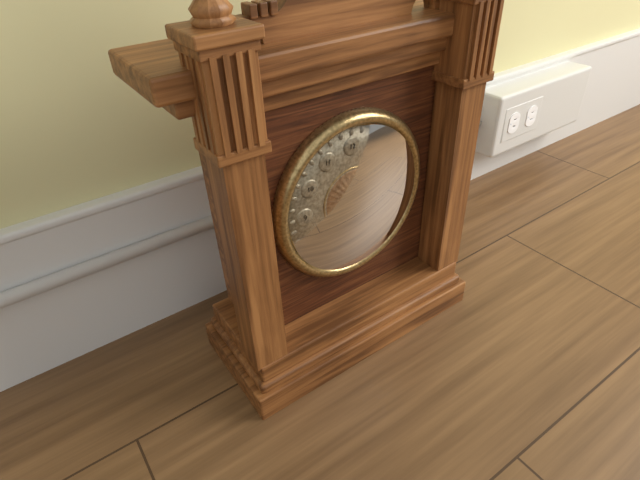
1:22
